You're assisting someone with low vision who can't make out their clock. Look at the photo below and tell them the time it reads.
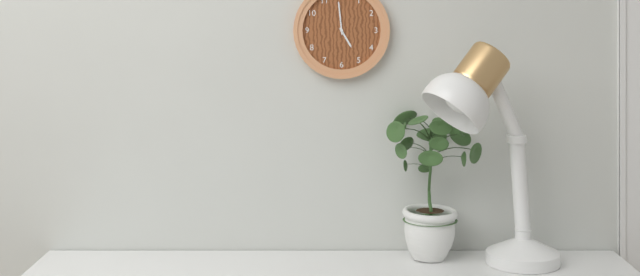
4:59
